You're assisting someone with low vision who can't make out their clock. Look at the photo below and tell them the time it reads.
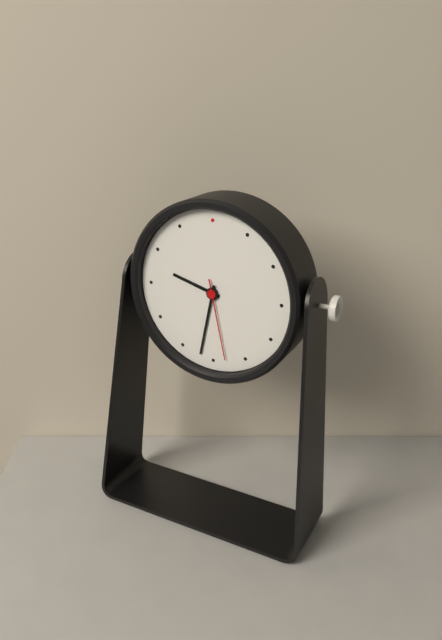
9:32:28
